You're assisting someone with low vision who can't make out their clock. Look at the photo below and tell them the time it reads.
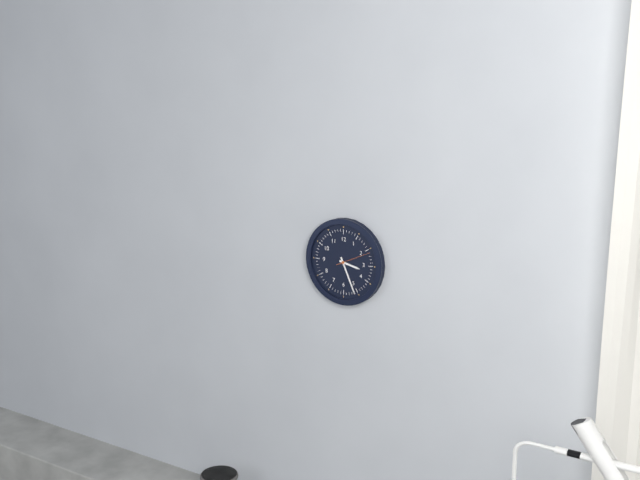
3:26
